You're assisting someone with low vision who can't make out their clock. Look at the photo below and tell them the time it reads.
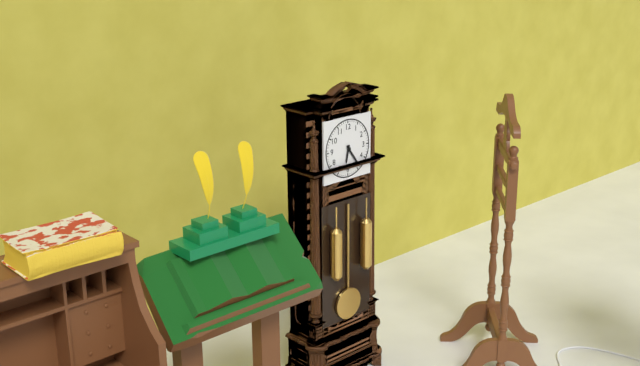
6:24
